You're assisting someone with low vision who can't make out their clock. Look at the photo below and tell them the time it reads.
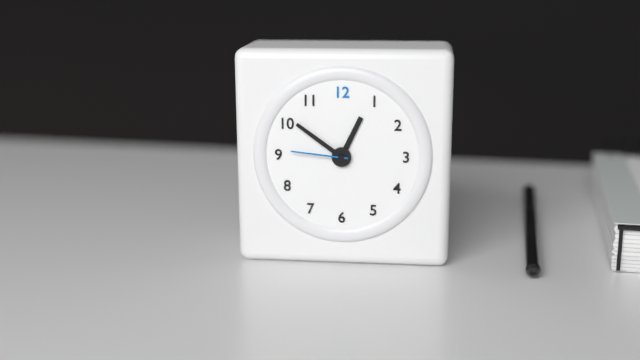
12:51:46
